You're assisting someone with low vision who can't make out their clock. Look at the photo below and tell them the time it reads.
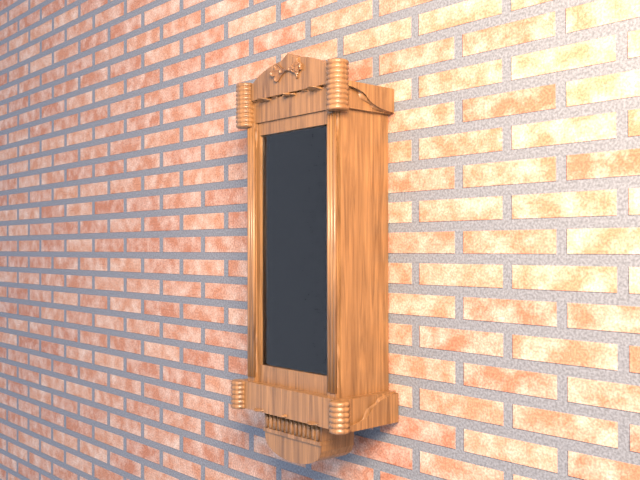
12:17
